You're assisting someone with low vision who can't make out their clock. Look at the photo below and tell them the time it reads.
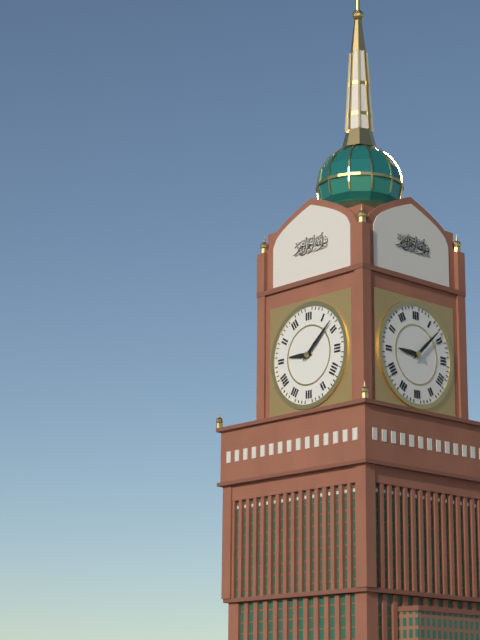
9:08
